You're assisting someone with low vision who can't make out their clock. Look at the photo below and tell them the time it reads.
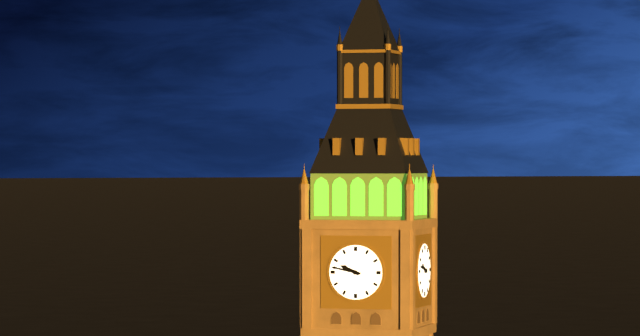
9:47
